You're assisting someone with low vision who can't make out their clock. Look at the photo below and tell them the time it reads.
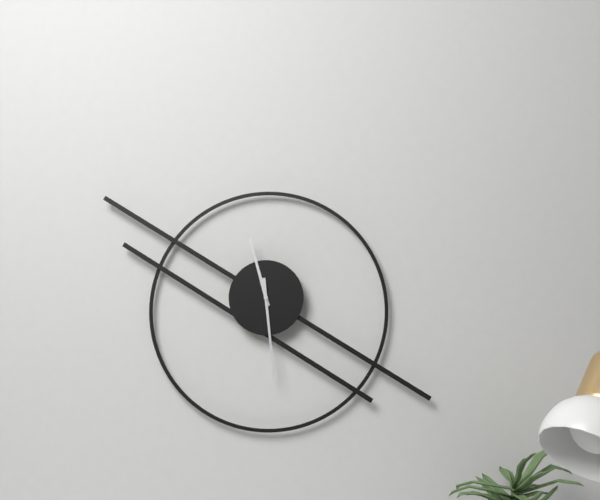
11:29
